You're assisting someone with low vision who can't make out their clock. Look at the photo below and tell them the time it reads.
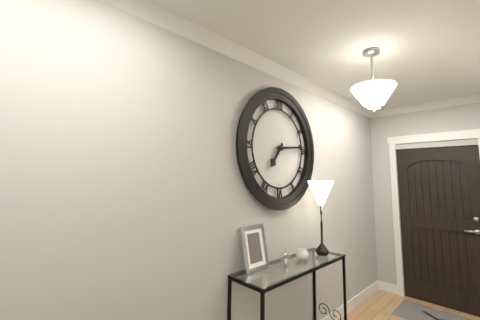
7:14
